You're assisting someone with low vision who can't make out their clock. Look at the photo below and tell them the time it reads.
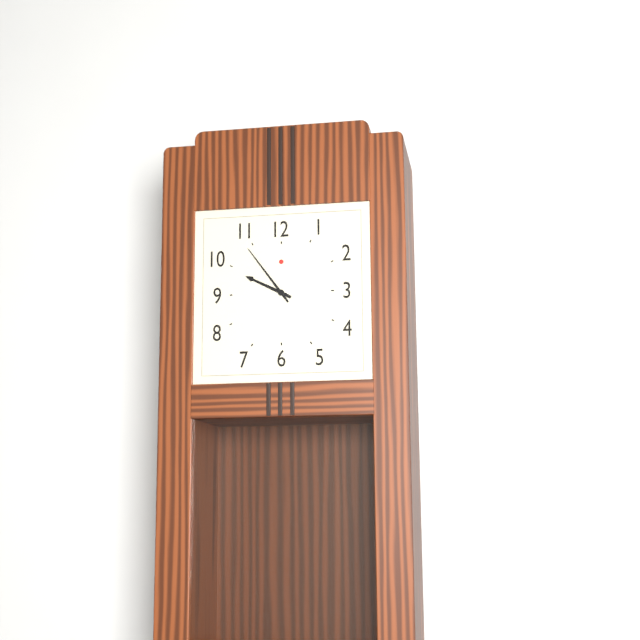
9:54
